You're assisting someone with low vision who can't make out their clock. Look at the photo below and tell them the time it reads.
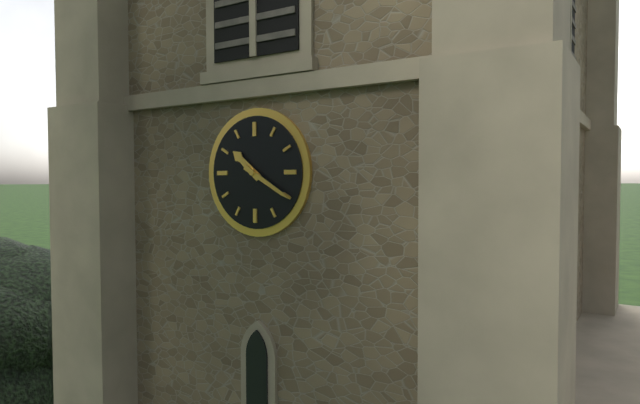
10:20
